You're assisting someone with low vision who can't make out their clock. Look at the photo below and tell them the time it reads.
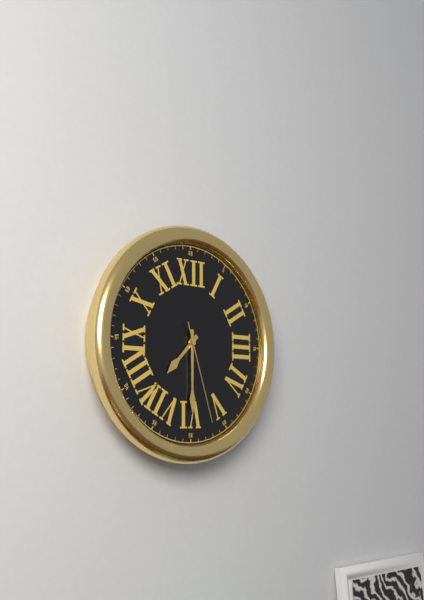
7:30:27
